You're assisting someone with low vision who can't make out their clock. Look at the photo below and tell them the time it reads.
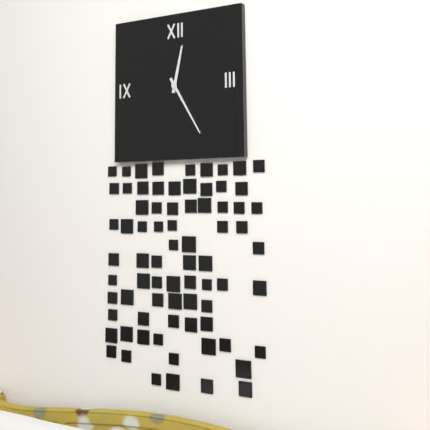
12:25
